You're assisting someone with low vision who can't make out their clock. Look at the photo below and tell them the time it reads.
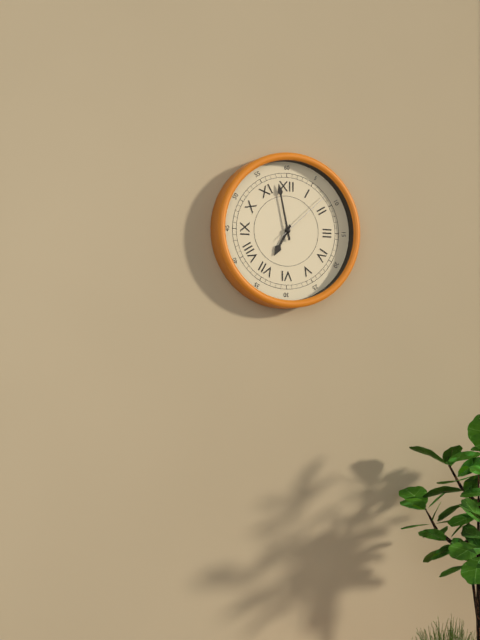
6:58:08
